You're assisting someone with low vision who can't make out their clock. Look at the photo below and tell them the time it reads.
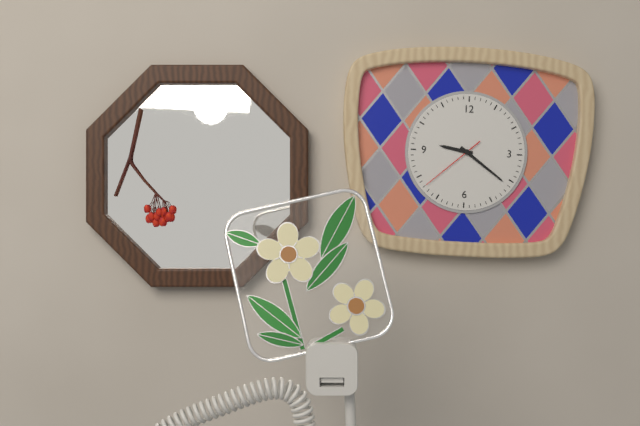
9:21:38
